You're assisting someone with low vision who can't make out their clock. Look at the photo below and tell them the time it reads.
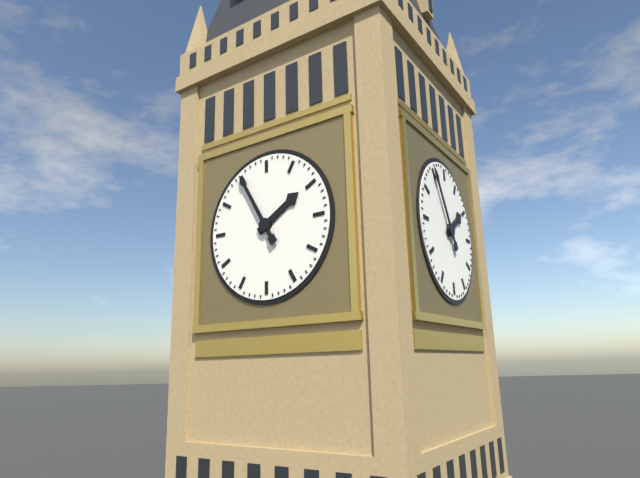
1:55
